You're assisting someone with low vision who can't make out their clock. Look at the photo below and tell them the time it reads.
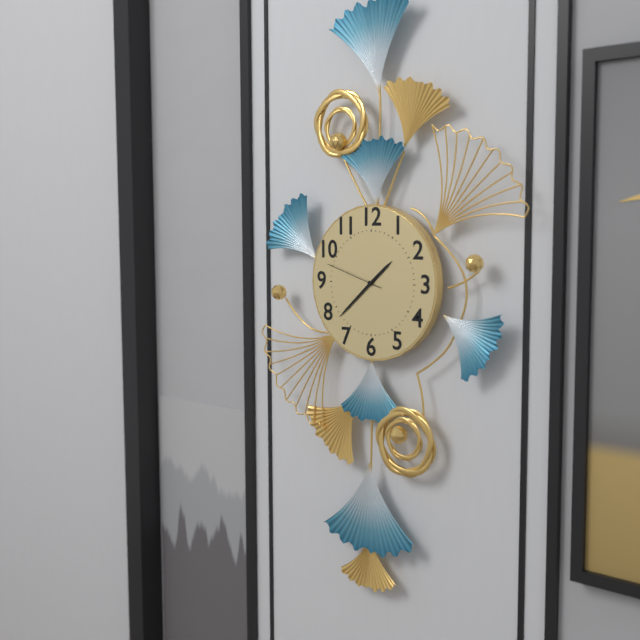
1:38:48
